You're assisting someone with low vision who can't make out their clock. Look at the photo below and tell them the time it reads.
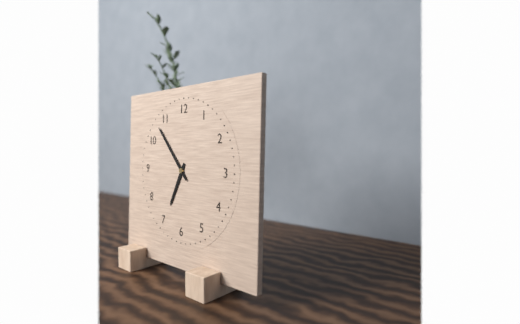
6:53
